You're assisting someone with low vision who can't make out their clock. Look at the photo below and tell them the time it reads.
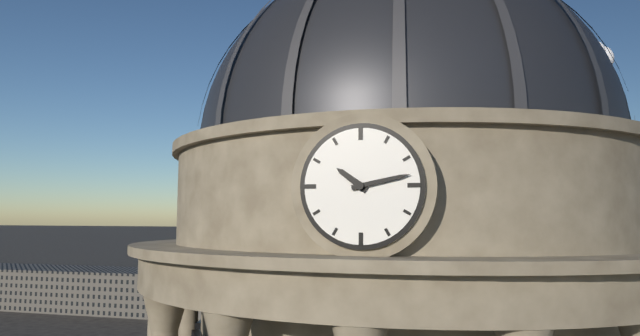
10:13
